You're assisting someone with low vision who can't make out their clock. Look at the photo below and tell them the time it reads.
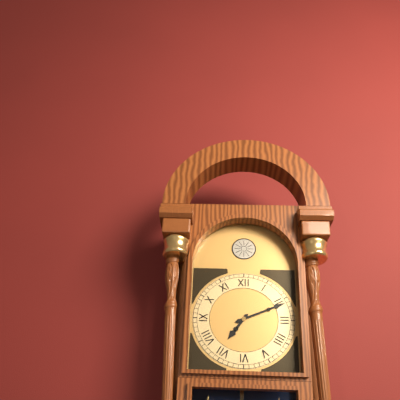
7:11
